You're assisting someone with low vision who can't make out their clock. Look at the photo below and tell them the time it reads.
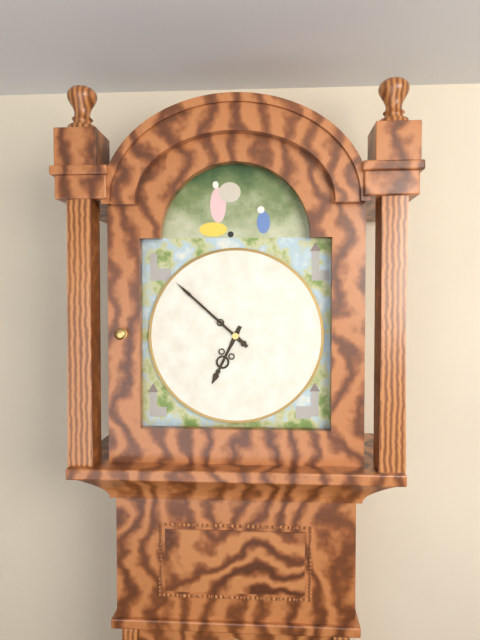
6:52
